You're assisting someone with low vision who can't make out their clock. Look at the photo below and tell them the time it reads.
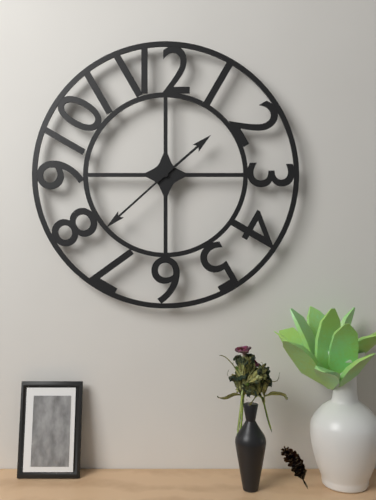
1:38
